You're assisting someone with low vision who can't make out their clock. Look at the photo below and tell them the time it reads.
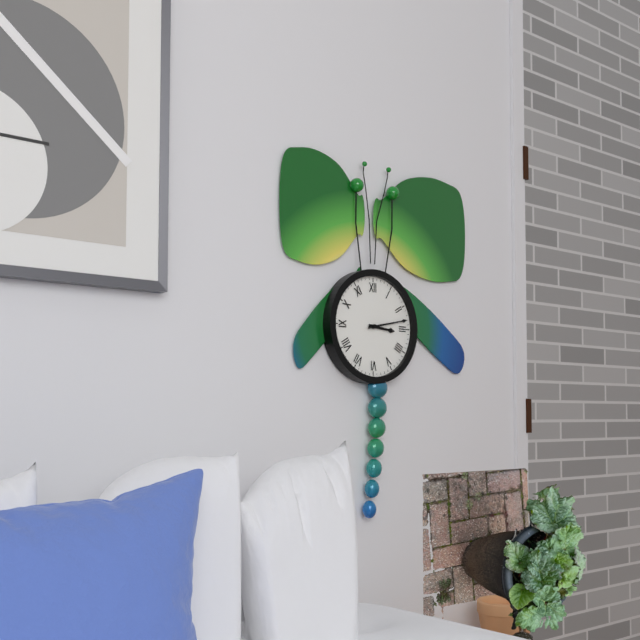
3:13
